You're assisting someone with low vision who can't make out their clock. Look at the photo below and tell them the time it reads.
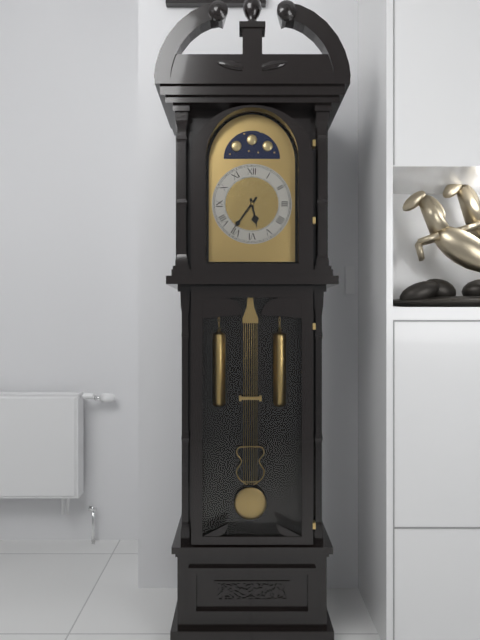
5:36
